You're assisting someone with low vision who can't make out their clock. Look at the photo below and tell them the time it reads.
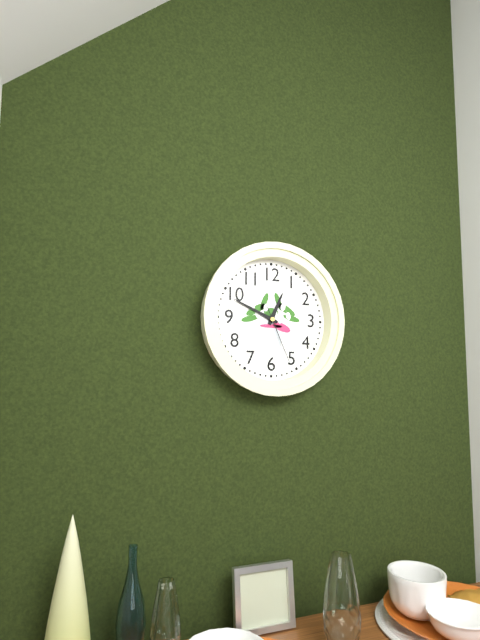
12:49:26
